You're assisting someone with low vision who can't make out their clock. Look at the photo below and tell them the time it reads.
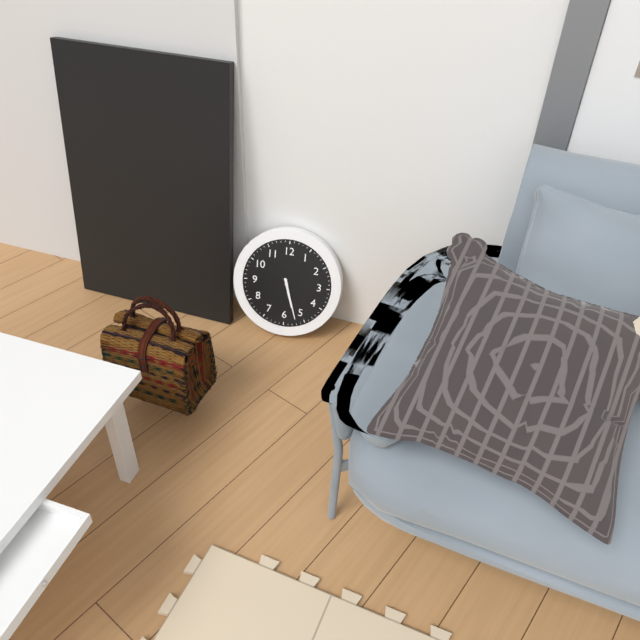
5:27
